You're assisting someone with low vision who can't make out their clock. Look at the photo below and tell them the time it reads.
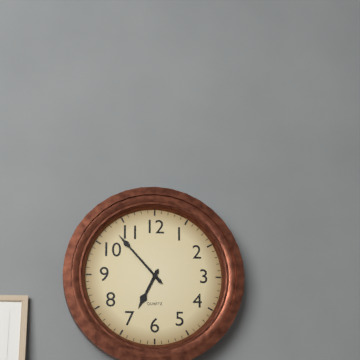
6:53
